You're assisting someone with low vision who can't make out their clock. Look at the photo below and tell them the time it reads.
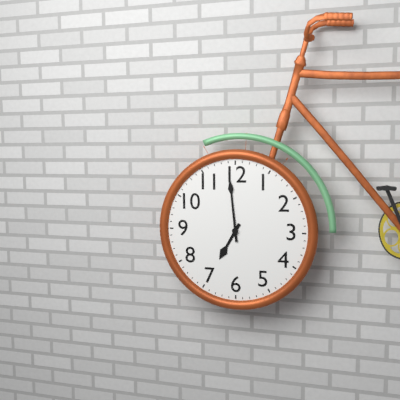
6:59
